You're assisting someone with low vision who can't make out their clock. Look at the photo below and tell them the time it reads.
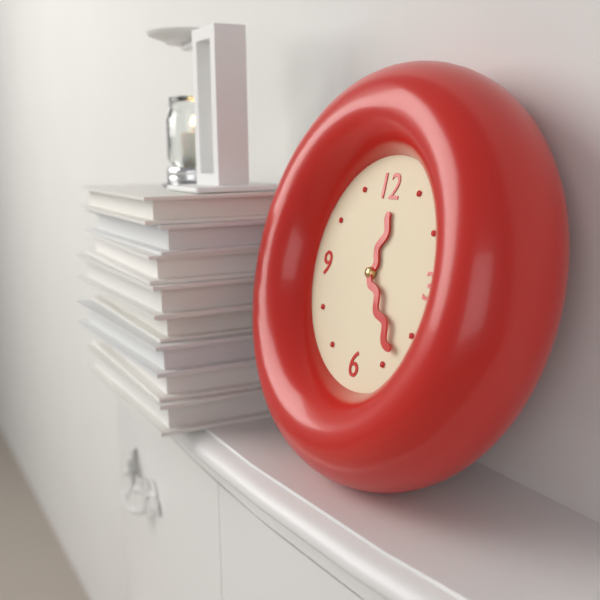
12:23
